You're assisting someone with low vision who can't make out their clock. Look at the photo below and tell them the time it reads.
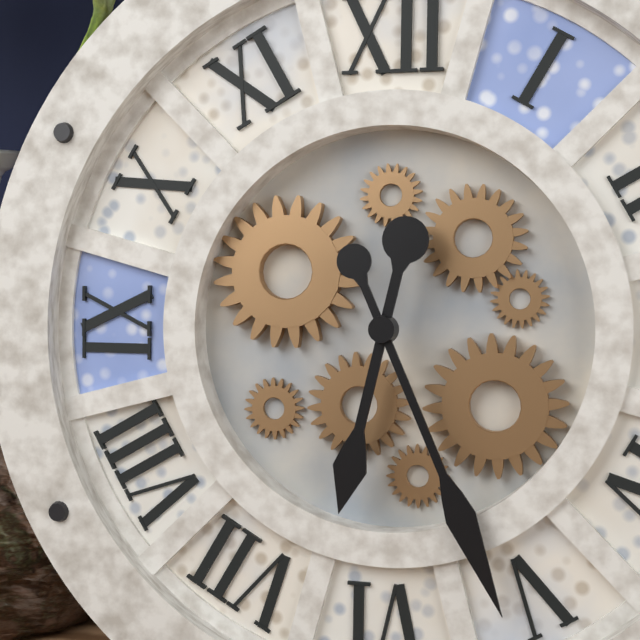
6:26
